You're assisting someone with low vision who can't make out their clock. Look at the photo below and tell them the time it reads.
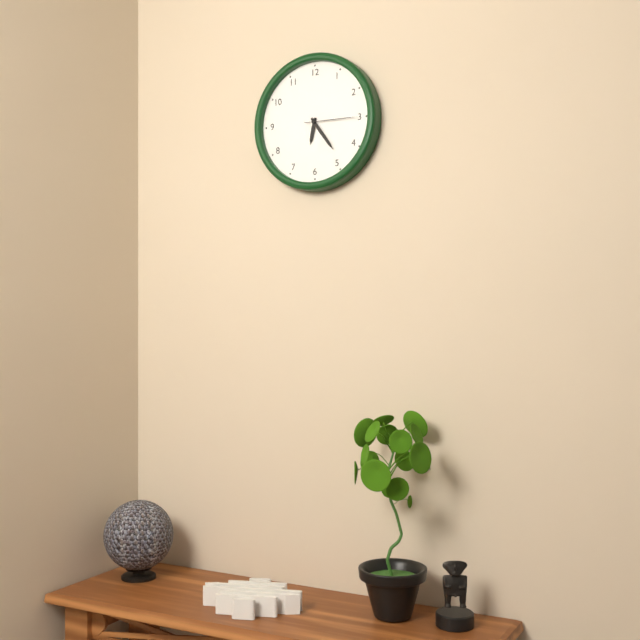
6:24:15
